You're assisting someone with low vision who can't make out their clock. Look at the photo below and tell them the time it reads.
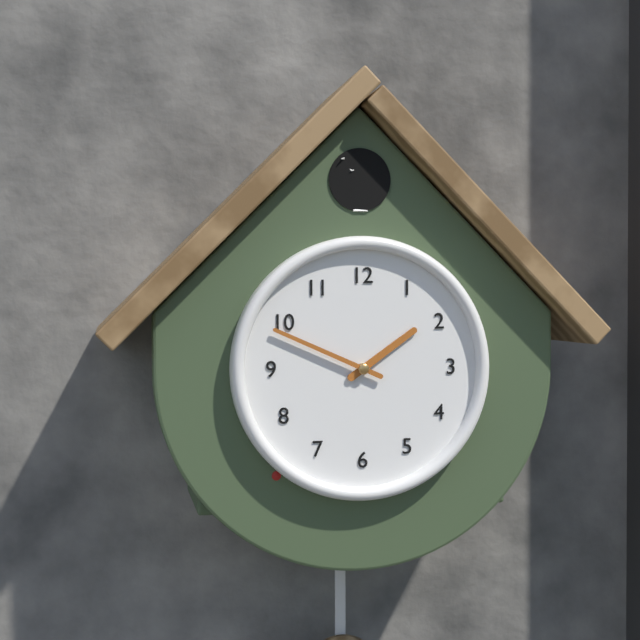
1:49
